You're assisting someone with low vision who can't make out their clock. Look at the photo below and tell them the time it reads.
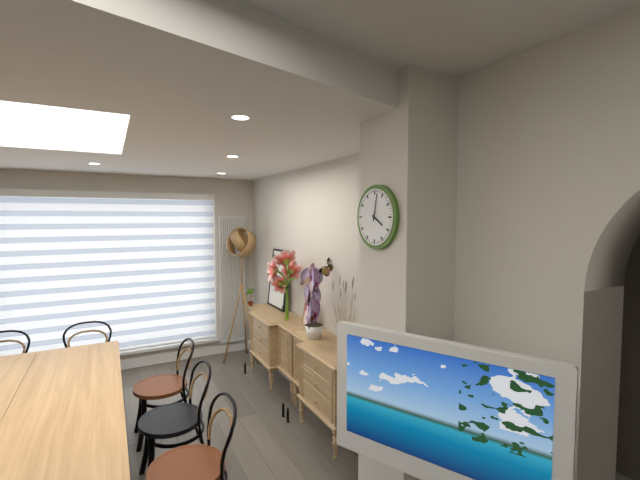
4:02
